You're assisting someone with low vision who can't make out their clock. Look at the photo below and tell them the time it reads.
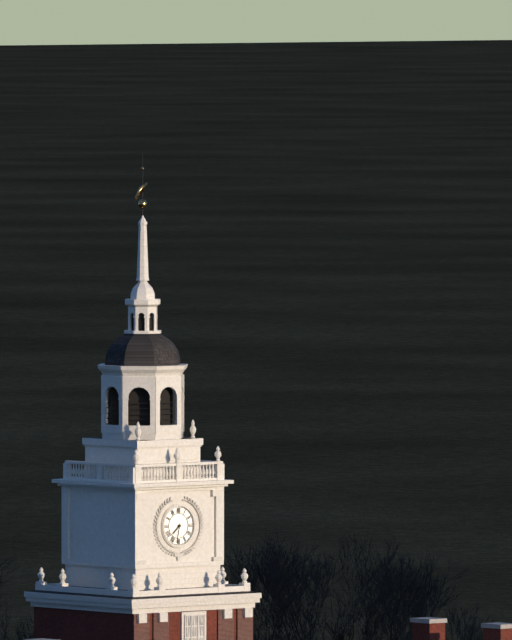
7:32
